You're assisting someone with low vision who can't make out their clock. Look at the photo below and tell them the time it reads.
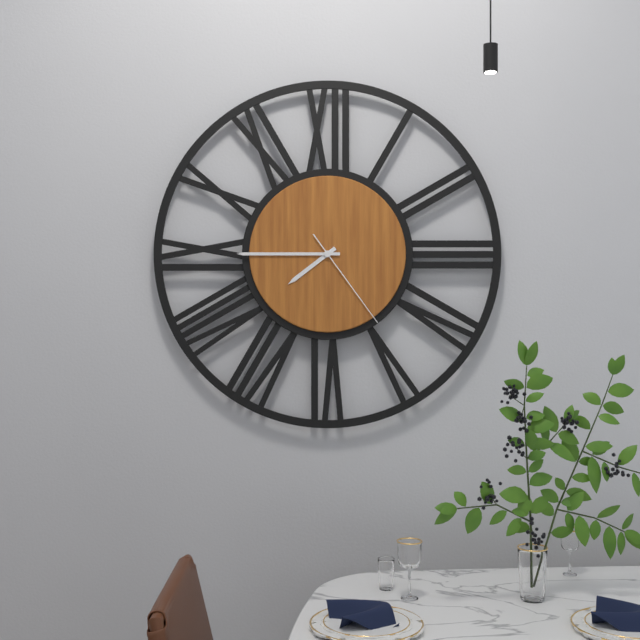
7:45:24
